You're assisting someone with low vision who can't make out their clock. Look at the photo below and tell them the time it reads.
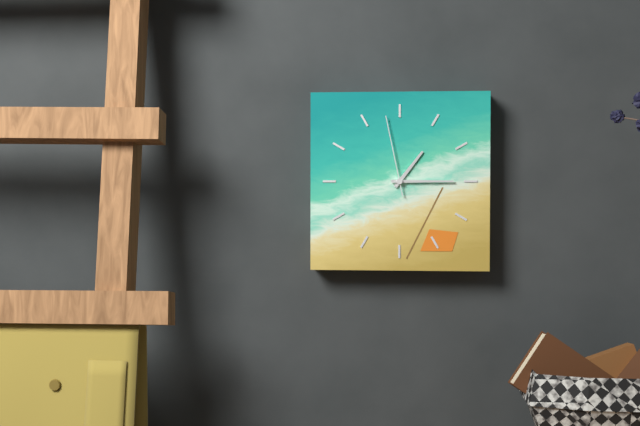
1:15:58
